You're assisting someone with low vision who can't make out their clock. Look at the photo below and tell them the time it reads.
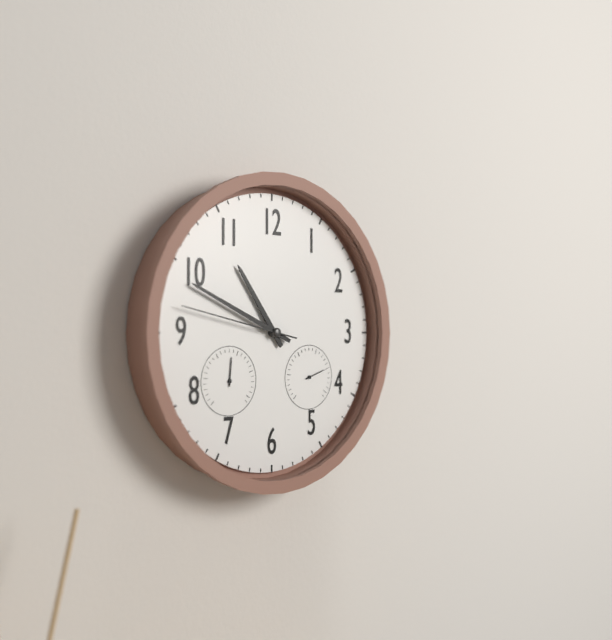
10:49:47
